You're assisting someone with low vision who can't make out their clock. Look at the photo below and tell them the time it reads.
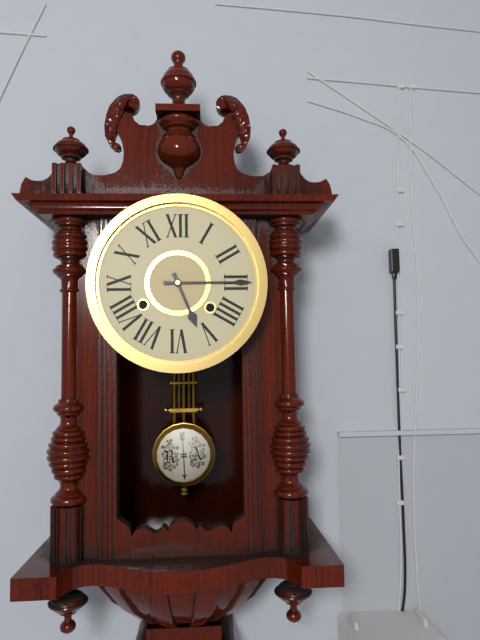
5:15
